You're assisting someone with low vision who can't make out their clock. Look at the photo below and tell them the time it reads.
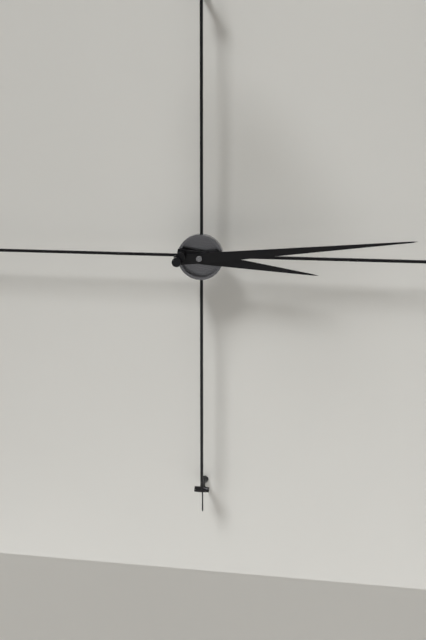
3:14
